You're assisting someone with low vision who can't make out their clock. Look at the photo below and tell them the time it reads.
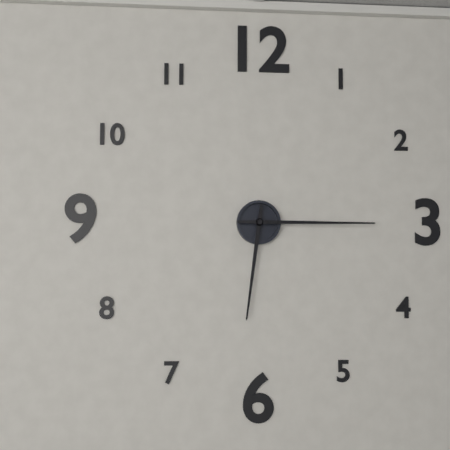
6:15
